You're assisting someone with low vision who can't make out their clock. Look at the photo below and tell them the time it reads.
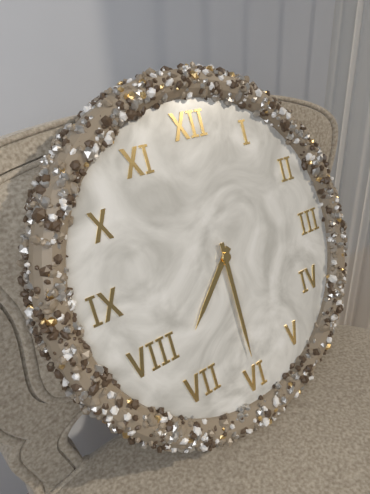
7:30
